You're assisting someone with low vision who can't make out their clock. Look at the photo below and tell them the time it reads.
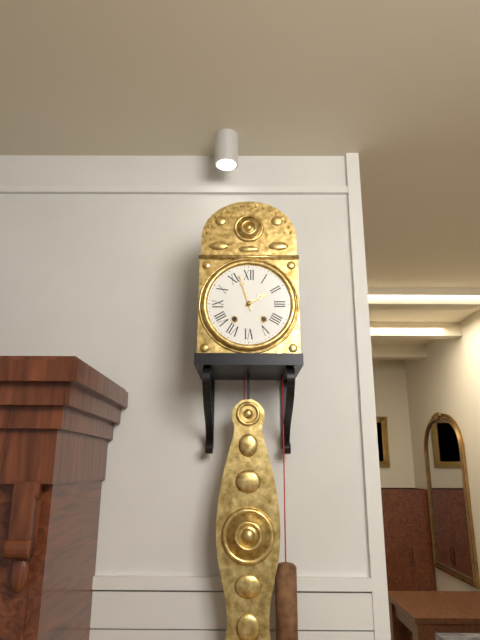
1:57
